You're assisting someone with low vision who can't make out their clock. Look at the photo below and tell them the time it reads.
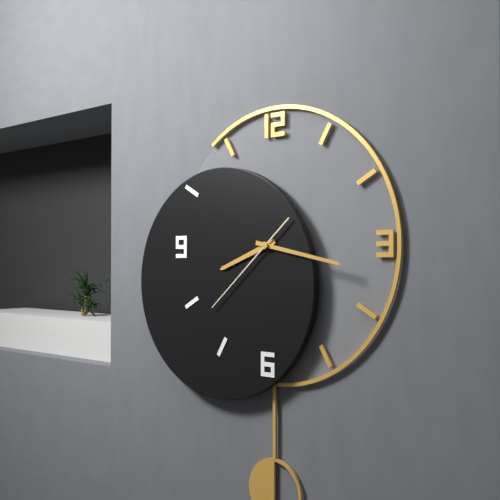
8:17:38
